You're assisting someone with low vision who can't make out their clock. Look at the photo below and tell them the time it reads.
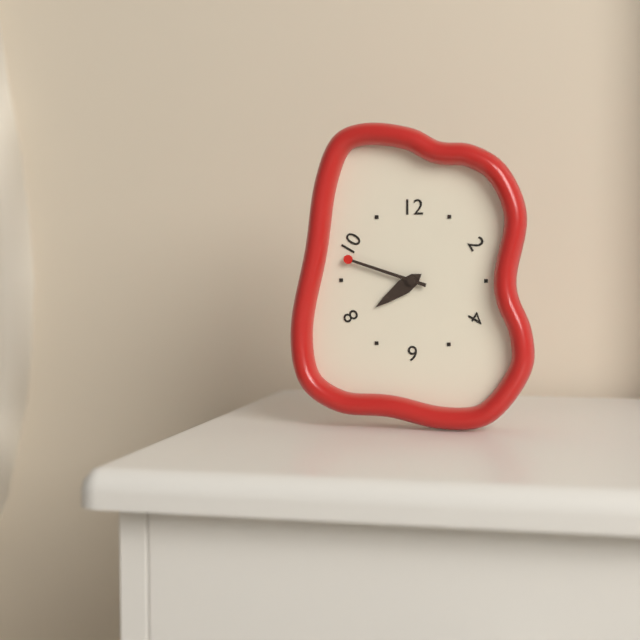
7:48
